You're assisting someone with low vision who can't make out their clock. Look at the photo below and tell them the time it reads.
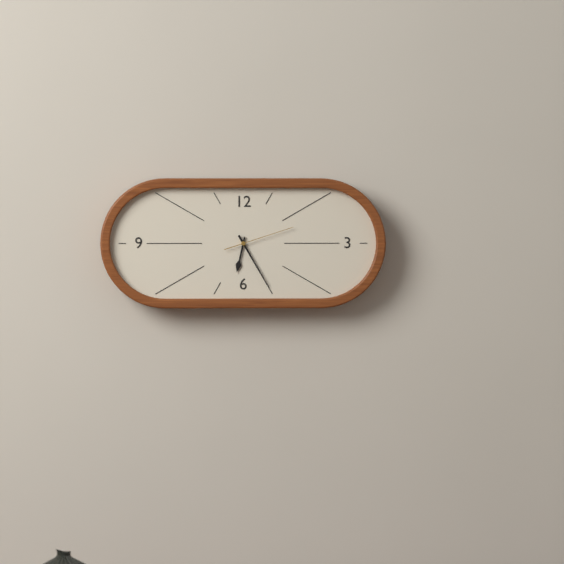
6:25:12
